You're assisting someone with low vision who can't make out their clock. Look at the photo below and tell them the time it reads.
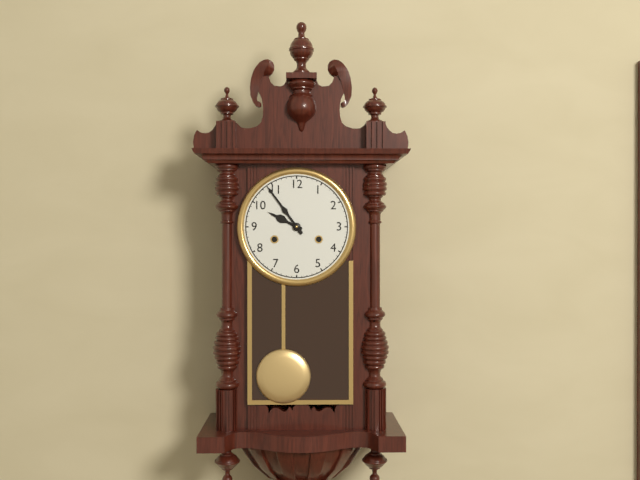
9:54
